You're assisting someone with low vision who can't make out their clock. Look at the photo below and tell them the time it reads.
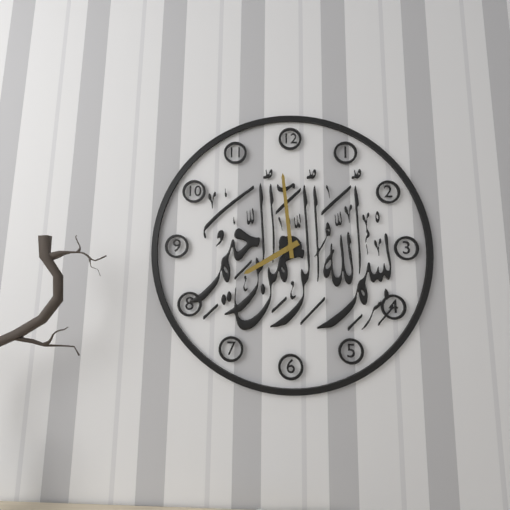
7:59
